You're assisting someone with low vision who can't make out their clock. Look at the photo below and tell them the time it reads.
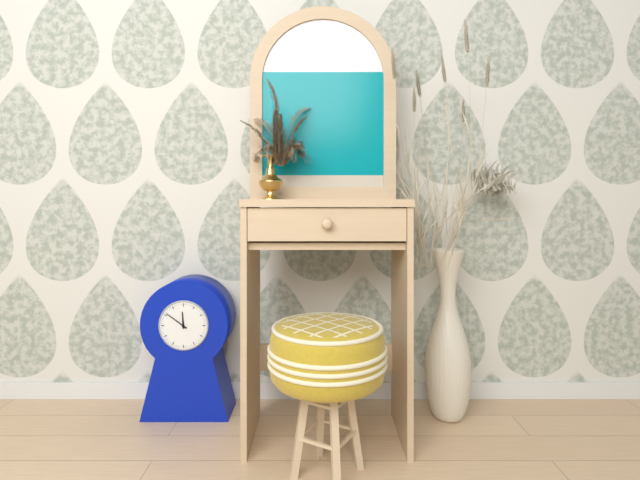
11:51
